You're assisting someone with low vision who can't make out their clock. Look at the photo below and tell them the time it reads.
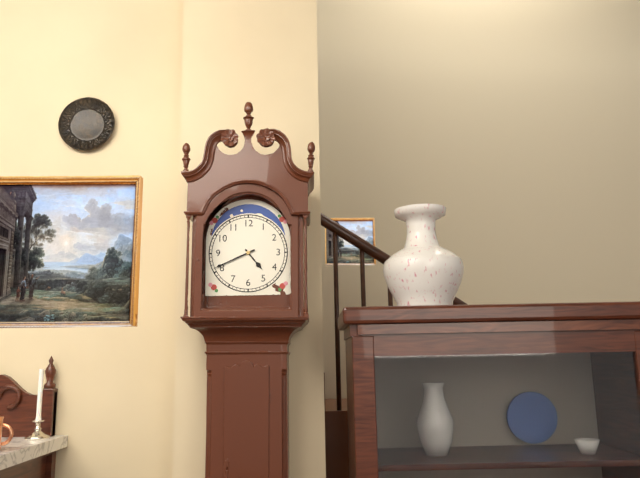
4:41
